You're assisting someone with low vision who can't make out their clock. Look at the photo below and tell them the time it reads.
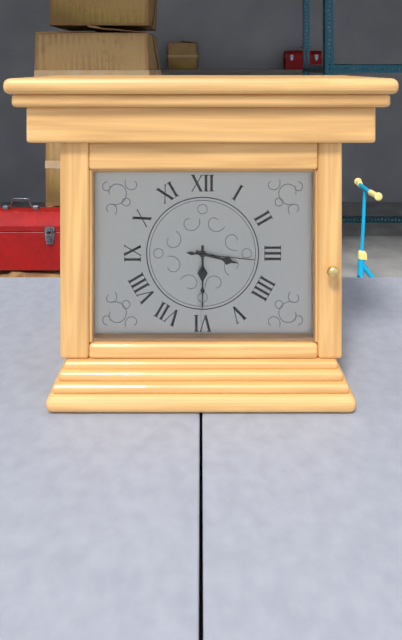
3:30:16
